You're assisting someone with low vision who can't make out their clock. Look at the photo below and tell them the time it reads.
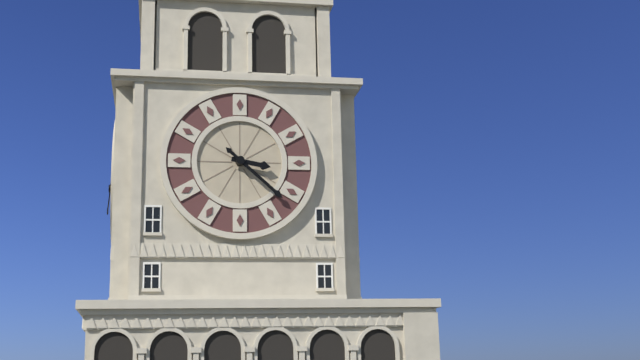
3:22
